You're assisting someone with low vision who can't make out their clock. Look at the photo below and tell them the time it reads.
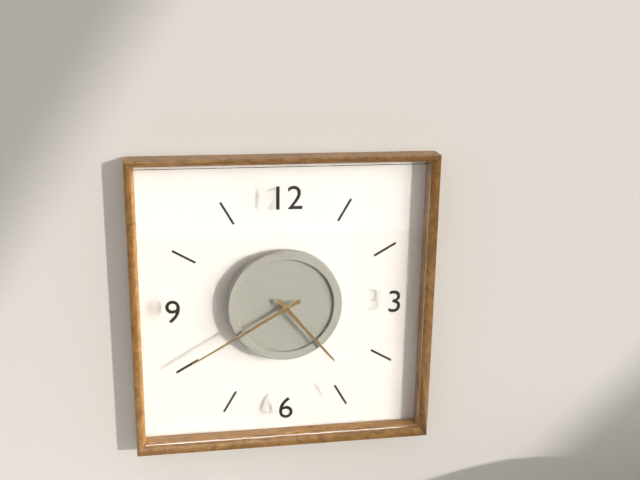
4:40
